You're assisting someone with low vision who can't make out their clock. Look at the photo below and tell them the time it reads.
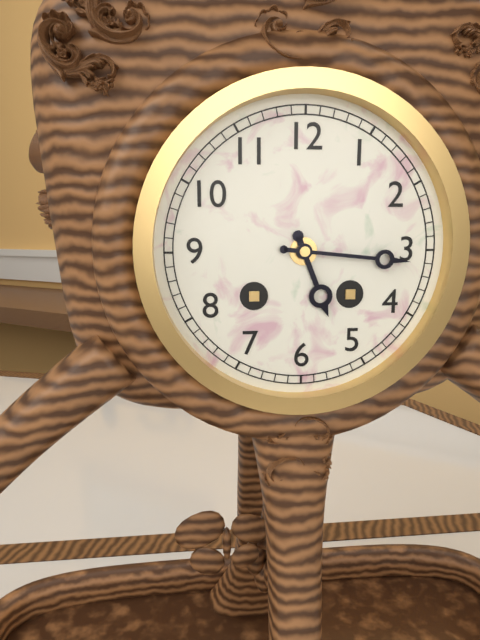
5:16
